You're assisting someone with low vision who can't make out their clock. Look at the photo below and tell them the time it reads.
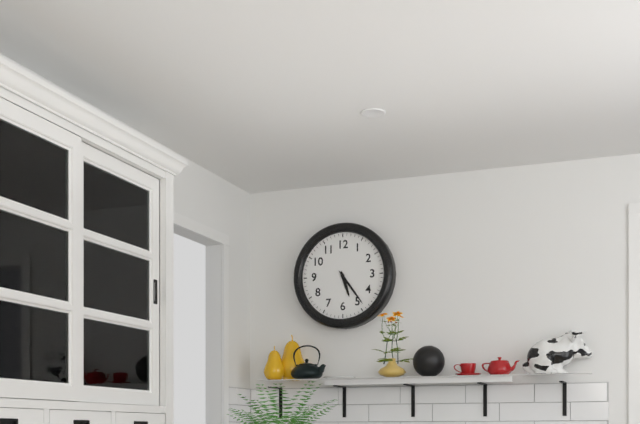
5:24
